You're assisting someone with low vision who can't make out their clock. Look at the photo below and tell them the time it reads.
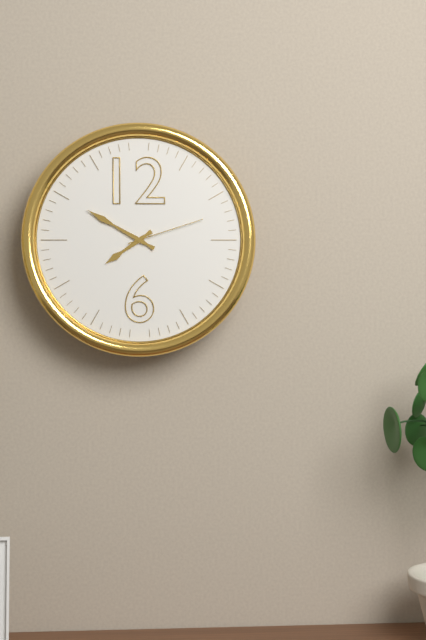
7:50:12
